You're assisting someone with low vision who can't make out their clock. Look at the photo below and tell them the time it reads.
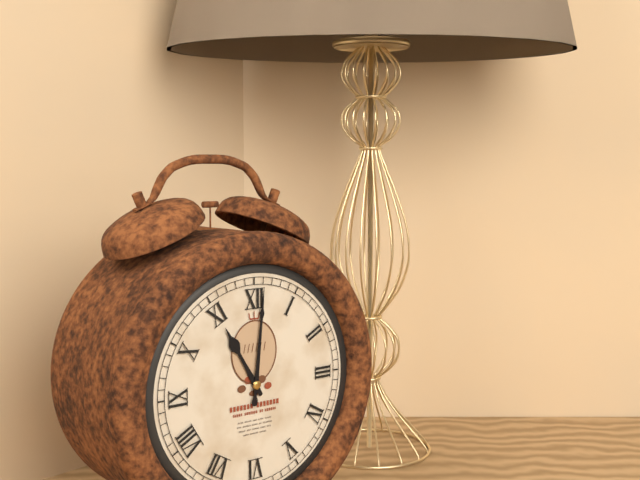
11:01
